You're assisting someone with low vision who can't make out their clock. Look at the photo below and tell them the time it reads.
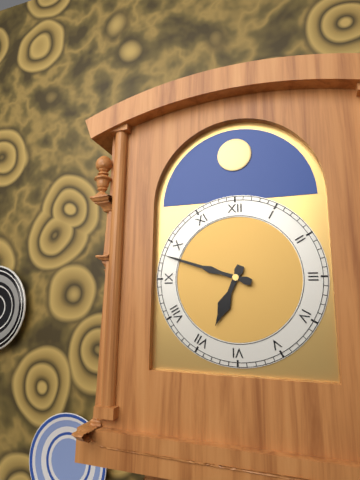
6:48
